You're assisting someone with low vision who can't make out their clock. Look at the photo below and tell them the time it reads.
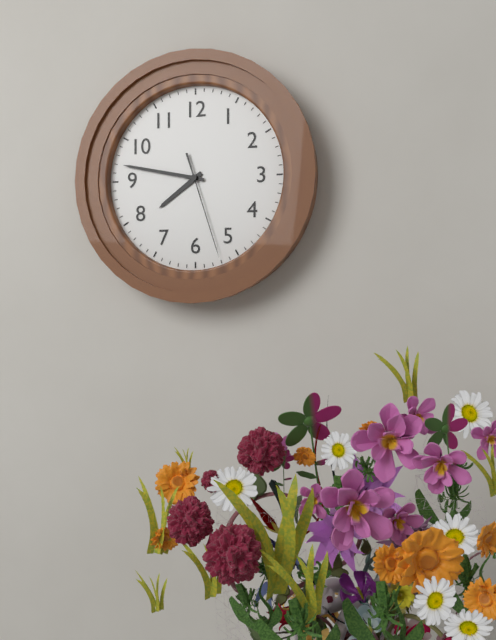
7:47:27
